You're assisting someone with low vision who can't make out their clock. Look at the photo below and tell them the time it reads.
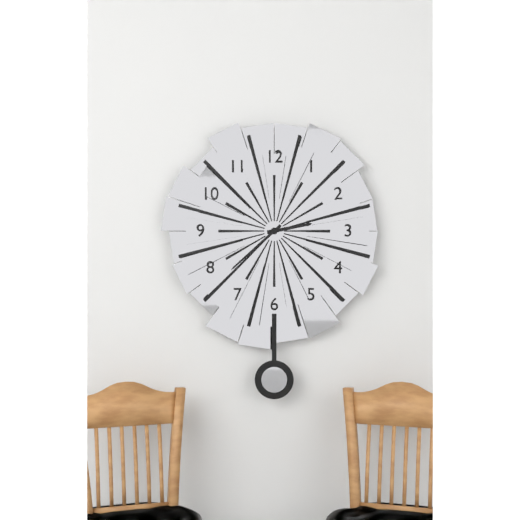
2:38
